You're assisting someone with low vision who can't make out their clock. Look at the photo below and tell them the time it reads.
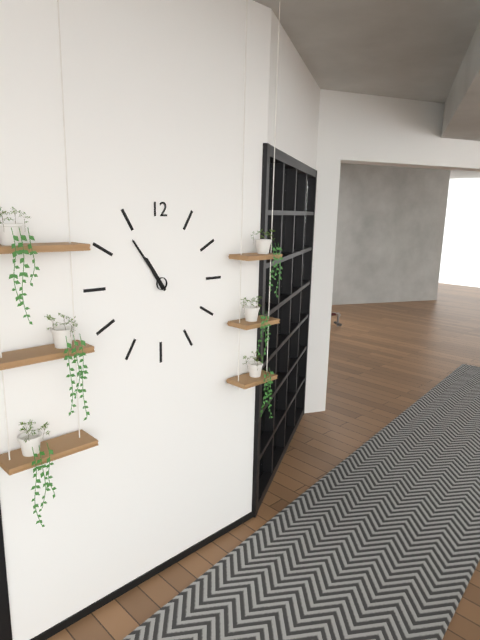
10:54
